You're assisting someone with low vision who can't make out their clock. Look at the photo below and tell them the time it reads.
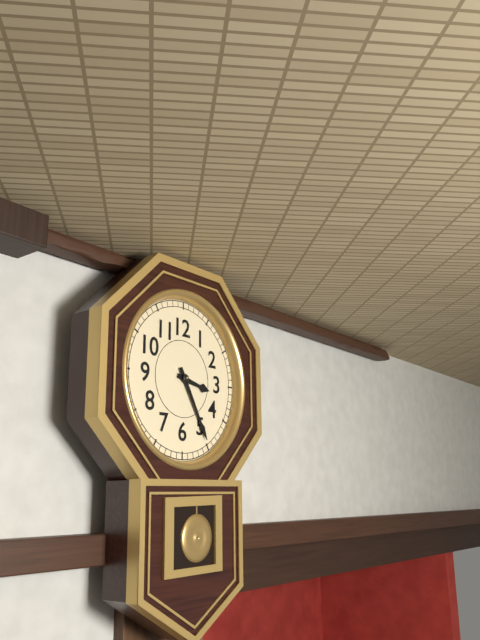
3:25
